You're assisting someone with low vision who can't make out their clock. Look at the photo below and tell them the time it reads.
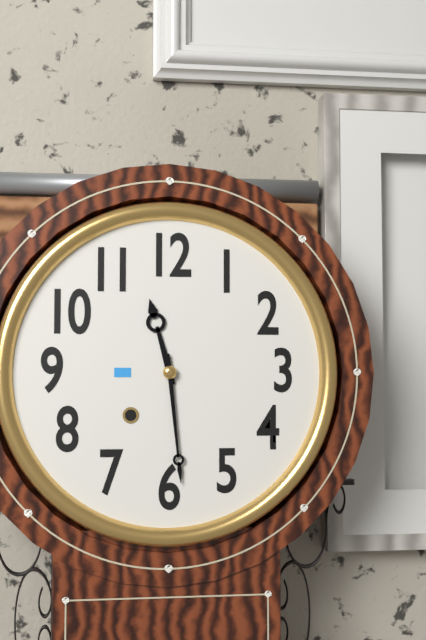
11:29
